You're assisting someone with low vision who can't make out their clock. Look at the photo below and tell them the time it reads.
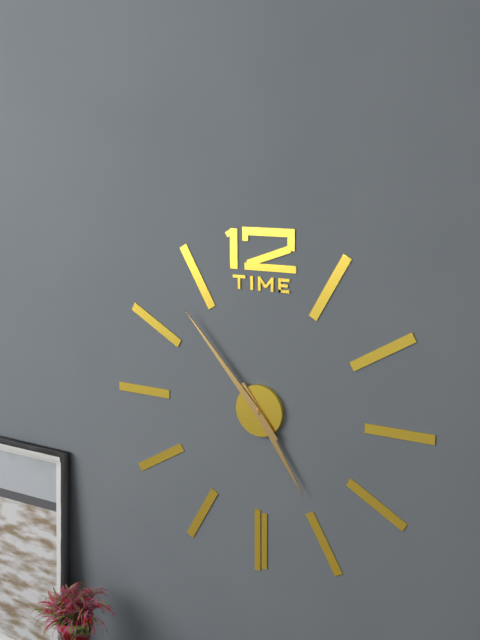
4:53
